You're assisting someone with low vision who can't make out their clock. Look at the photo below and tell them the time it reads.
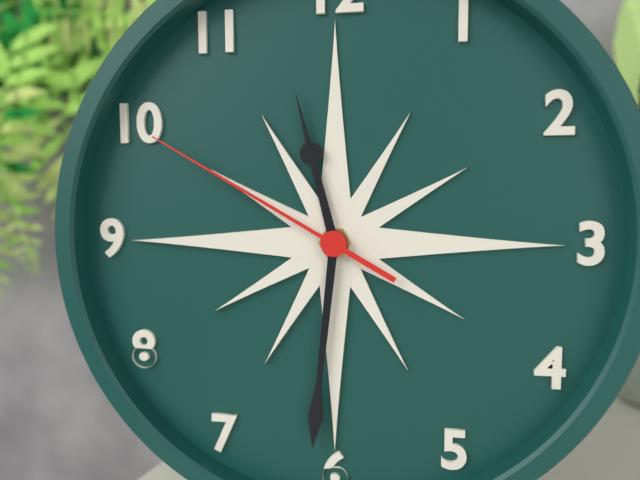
11:31:50
